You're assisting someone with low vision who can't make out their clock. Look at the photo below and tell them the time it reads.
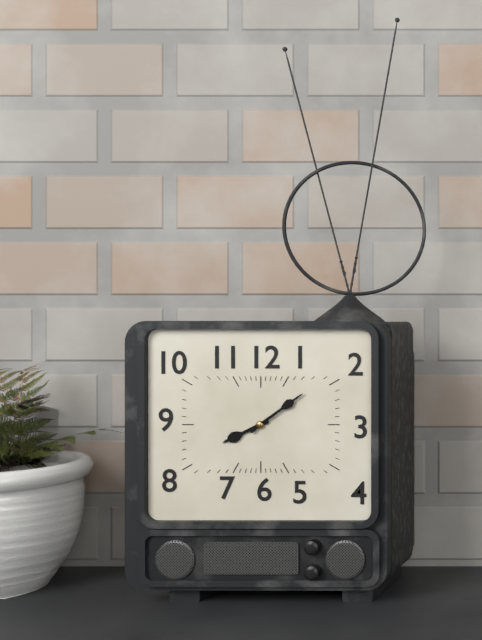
8:09
